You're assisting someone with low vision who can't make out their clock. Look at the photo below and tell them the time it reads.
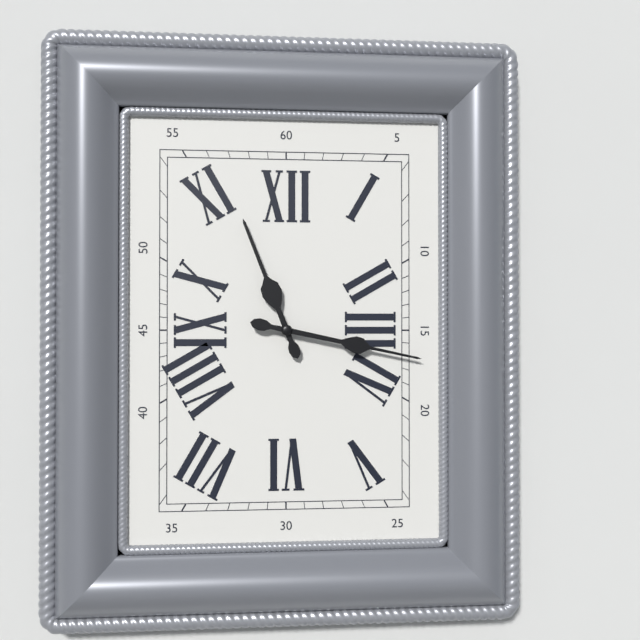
11:17
